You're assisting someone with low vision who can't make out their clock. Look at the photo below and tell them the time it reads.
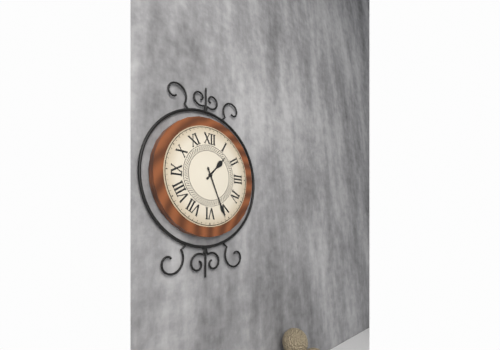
1:26
